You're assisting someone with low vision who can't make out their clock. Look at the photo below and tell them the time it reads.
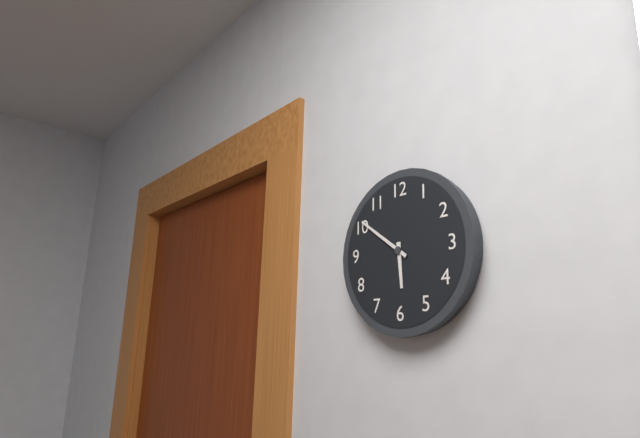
5:51
